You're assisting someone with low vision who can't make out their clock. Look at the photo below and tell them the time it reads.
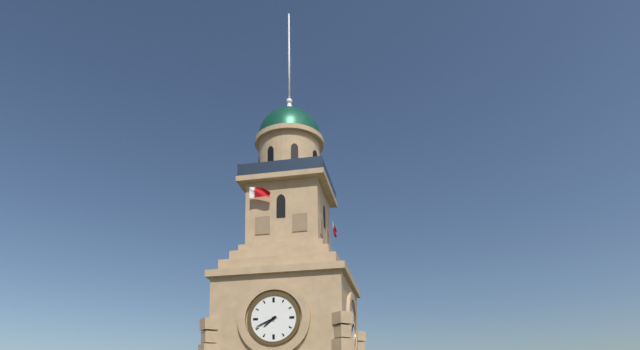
7:41
